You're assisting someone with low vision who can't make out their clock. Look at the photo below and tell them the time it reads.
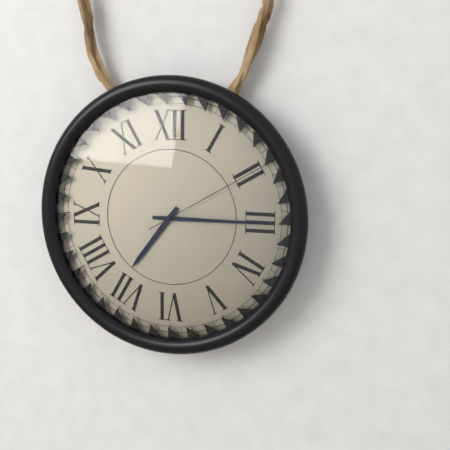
7:15:10
